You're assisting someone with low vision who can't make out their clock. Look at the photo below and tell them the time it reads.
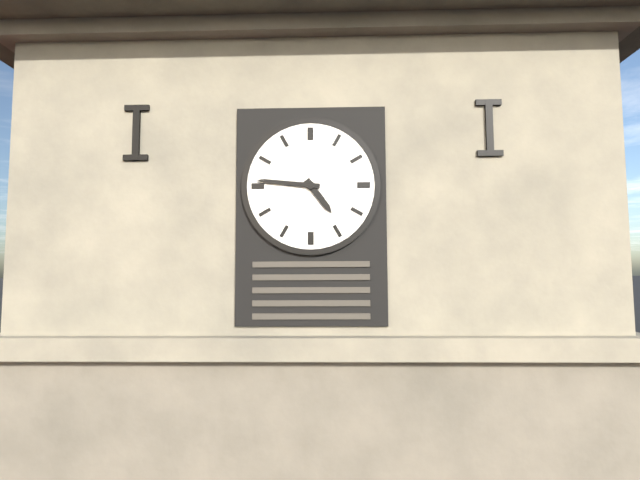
4:46
